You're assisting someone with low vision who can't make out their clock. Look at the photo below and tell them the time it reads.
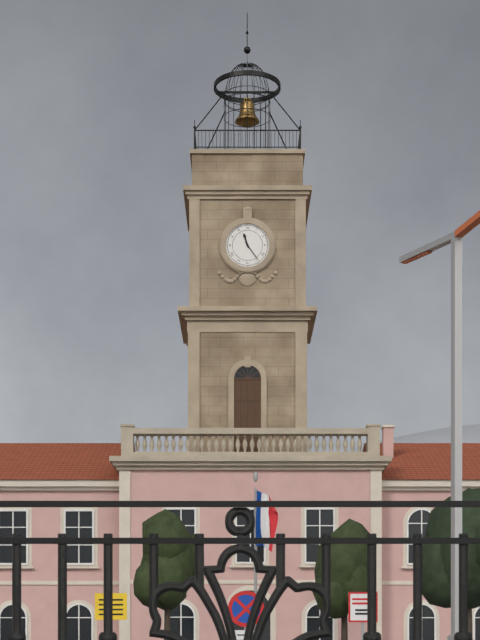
11:24
